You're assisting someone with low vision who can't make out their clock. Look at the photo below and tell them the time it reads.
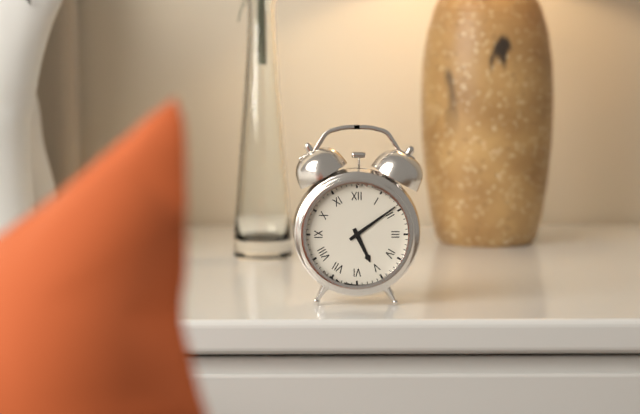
5:09
